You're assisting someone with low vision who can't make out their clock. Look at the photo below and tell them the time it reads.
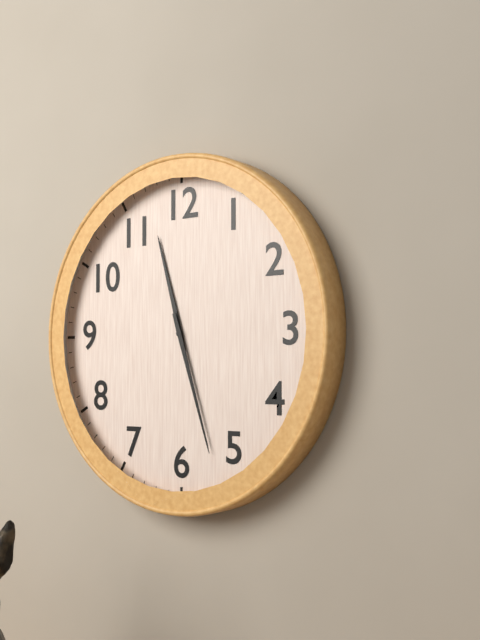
11:27
